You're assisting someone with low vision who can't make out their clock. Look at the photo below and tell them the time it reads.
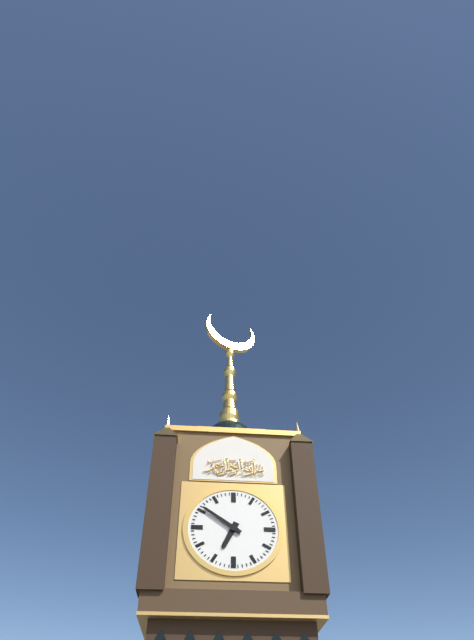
6:51
